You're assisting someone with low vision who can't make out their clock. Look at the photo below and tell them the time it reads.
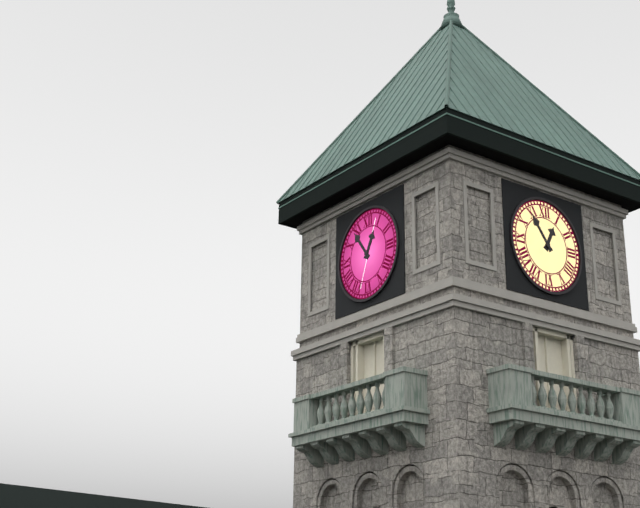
12:54
